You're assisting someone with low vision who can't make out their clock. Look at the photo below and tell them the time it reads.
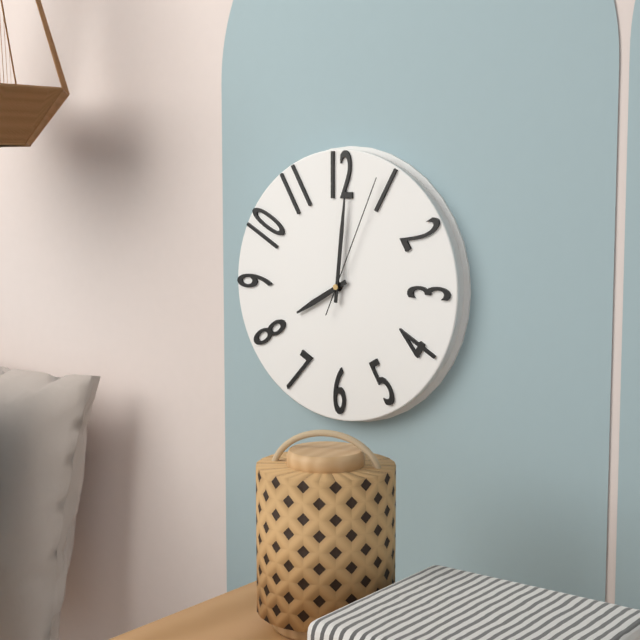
8:01:04
